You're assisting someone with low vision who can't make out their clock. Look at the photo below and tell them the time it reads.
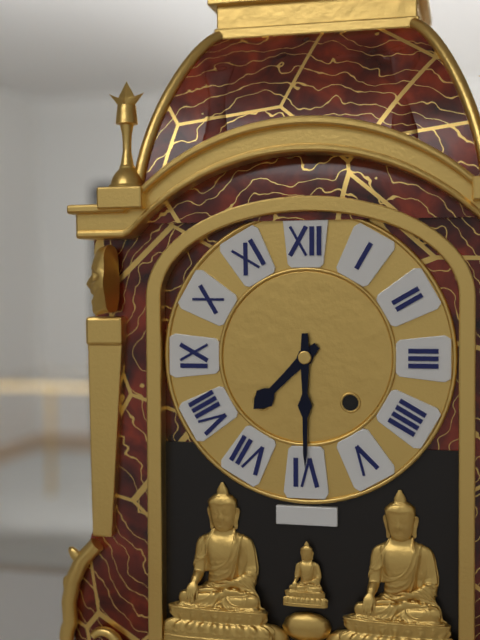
7:30
